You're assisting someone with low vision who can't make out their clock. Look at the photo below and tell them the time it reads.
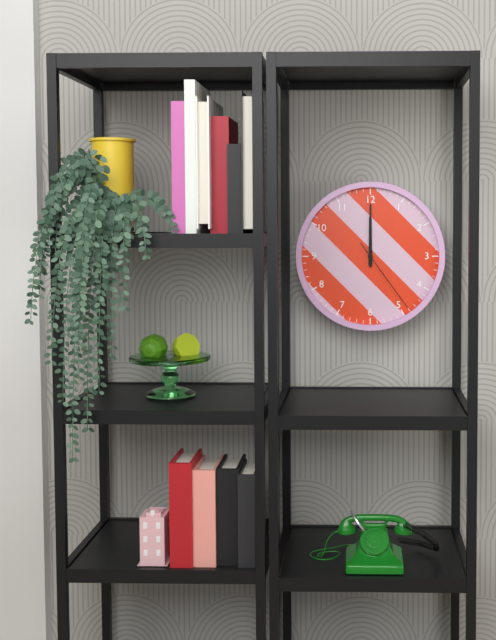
12:00:24
